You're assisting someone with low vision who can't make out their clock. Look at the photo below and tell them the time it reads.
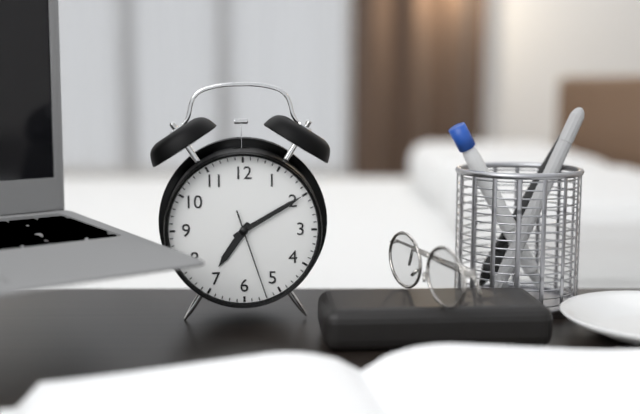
7:10:27
